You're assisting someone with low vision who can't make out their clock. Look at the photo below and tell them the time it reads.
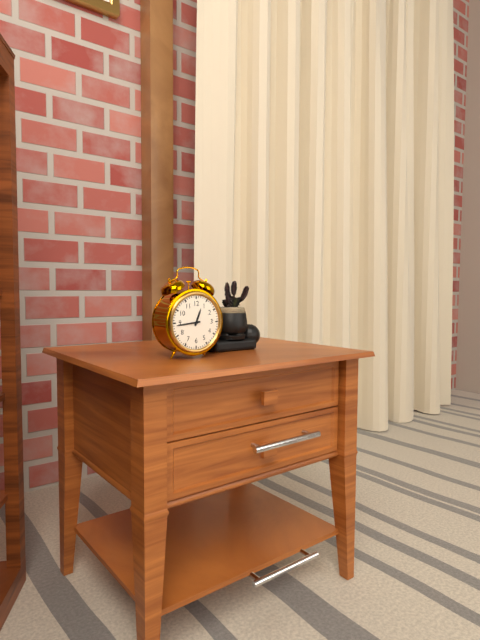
12:44
